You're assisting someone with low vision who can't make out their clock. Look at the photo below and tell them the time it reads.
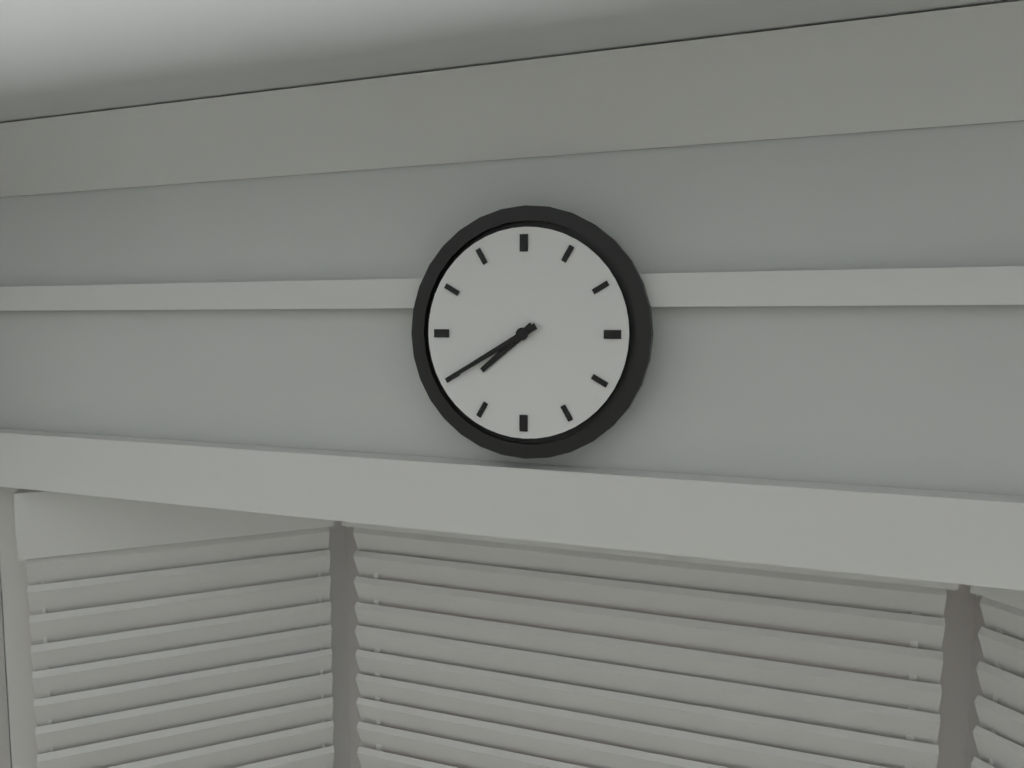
7:40
